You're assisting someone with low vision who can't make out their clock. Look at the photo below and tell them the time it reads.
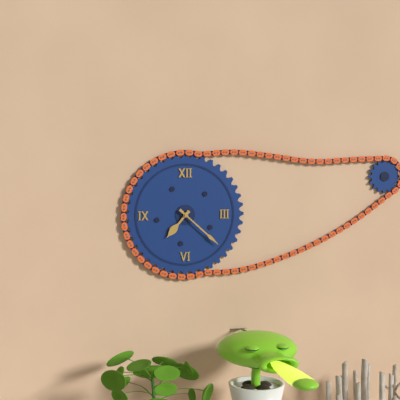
7:22
